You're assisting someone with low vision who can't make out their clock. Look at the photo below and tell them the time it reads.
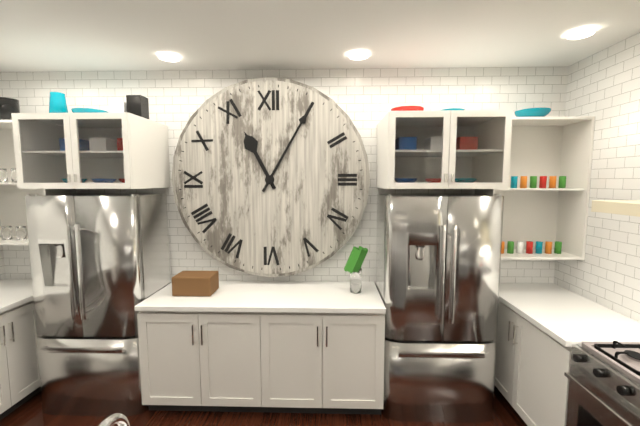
11:05
